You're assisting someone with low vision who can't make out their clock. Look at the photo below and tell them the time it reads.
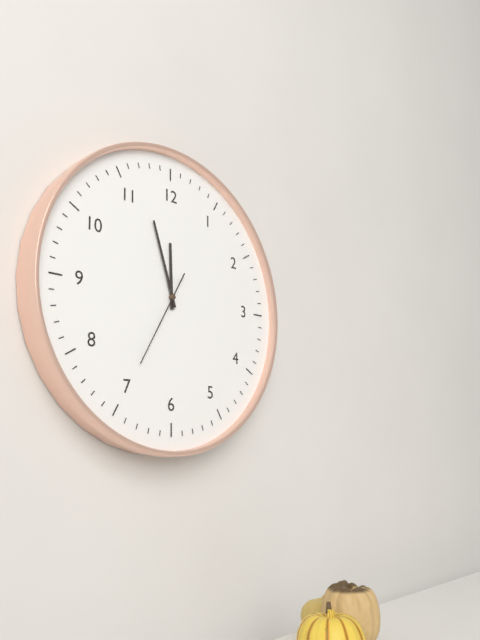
11:57:35
